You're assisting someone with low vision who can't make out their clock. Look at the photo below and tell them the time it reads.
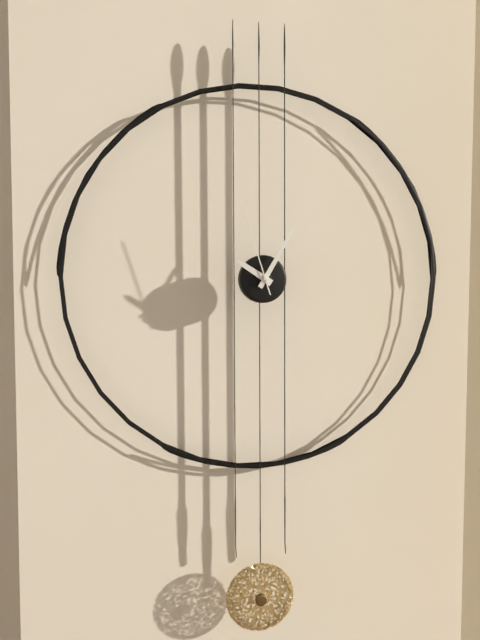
10:05:57
